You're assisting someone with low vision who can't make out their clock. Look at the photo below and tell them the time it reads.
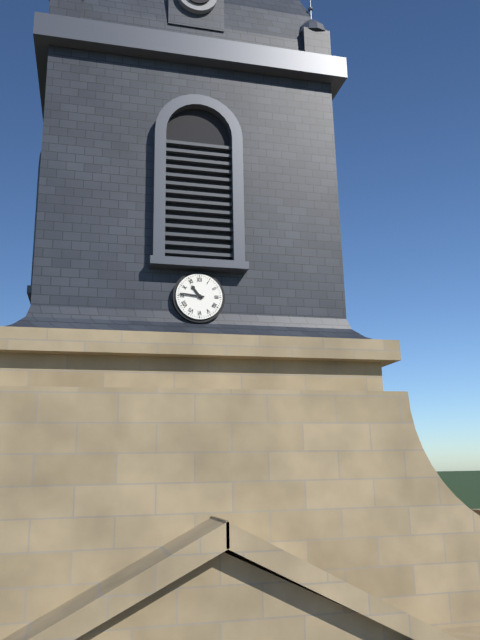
10:46
